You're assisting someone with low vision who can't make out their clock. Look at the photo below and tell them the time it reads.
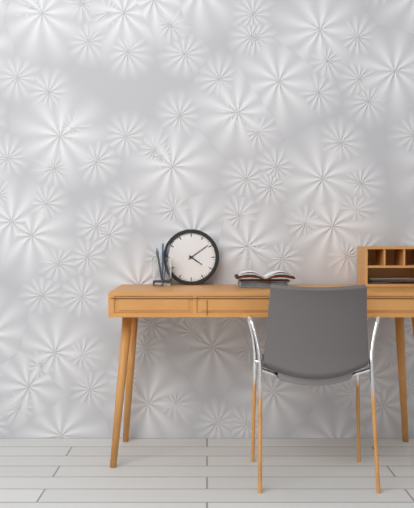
4:09
